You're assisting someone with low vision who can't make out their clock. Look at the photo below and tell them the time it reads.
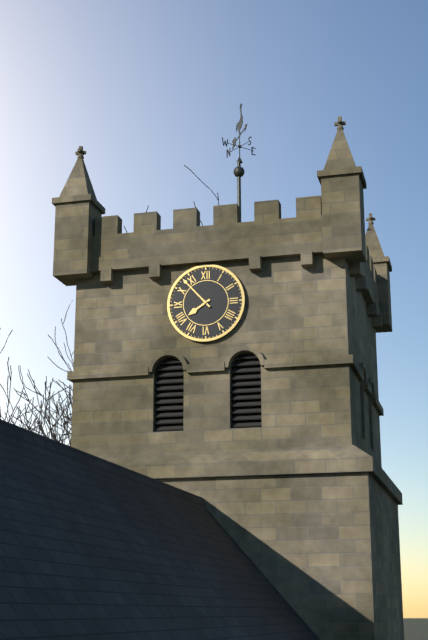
7:53
